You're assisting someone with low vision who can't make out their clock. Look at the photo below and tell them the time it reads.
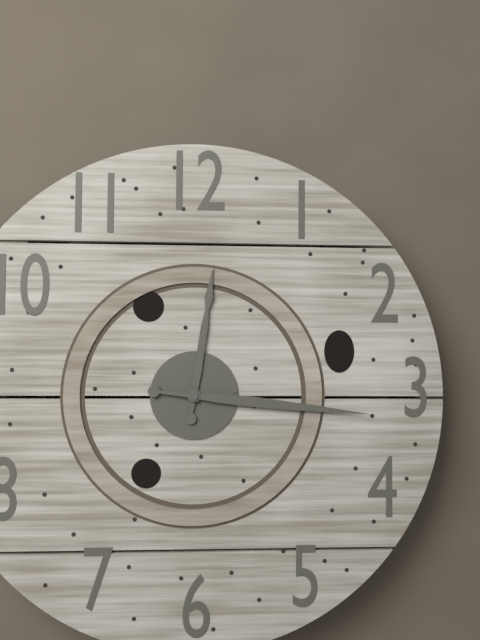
12:16
